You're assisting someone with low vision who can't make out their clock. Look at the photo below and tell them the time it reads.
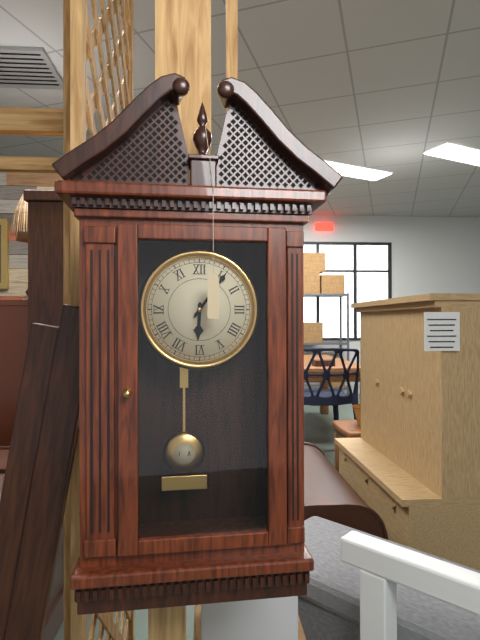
6:06
